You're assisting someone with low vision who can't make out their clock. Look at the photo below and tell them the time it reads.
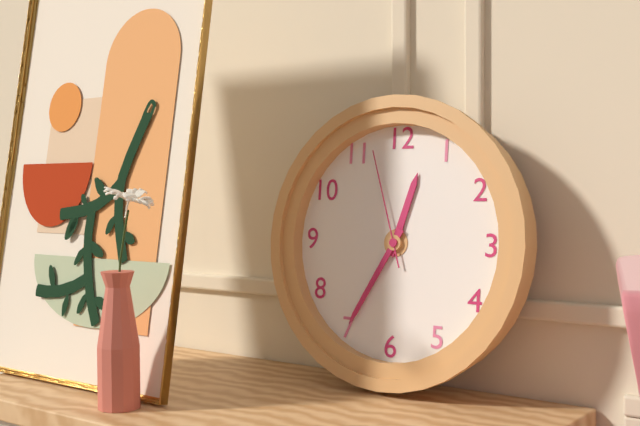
12:35:57
